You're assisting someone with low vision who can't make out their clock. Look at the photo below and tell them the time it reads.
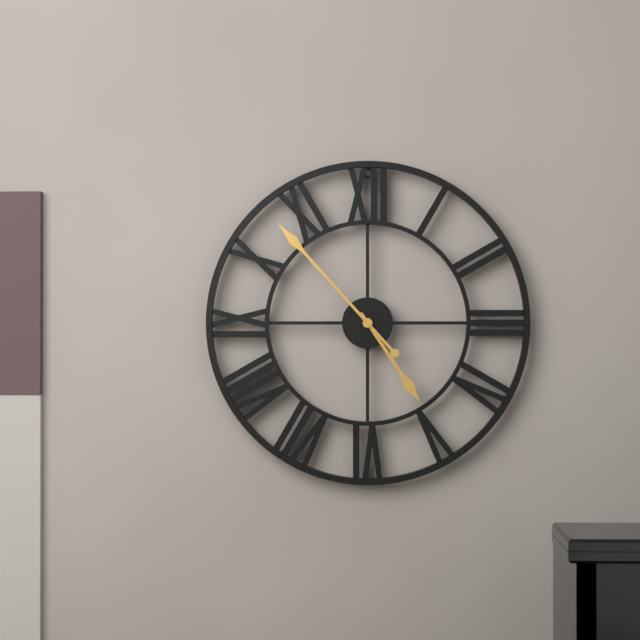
4:53
